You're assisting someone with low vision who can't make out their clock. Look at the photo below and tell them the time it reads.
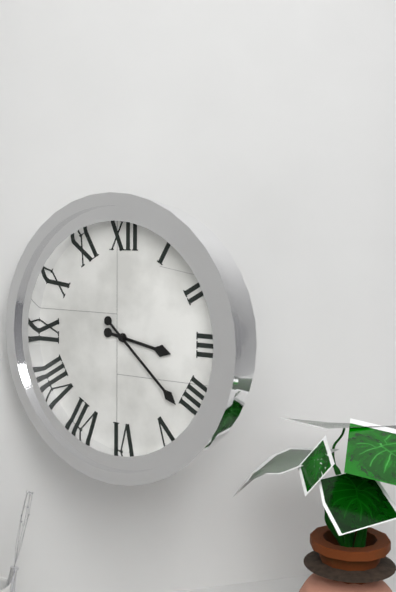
3:22
